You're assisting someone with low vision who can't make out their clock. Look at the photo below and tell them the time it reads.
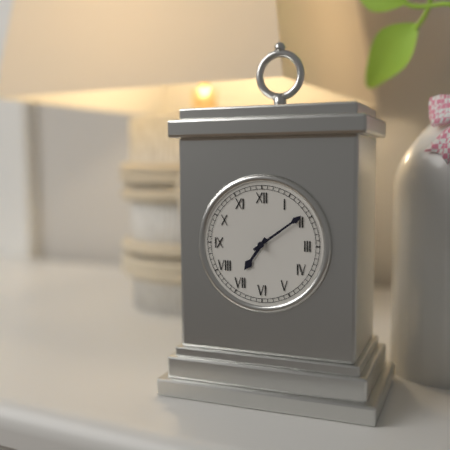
7:09
